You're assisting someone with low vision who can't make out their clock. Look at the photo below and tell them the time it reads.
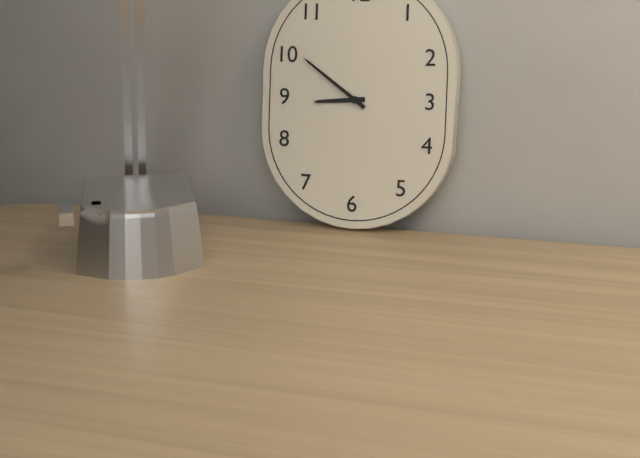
8:51
